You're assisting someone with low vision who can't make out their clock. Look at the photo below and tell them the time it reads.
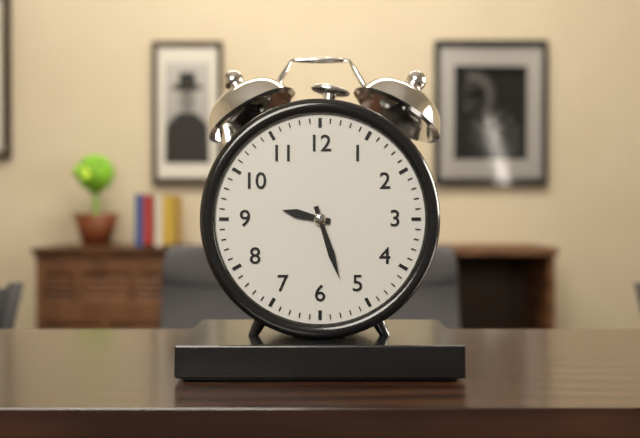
9:27
